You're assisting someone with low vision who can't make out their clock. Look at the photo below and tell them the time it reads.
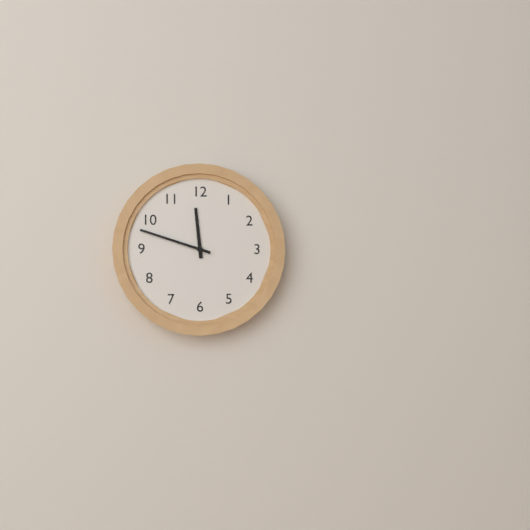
11:48
